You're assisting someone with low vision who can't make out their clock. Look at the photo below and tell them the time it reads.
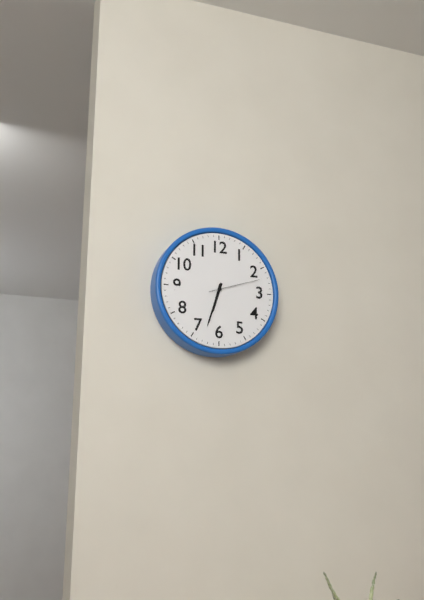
6:33:12
